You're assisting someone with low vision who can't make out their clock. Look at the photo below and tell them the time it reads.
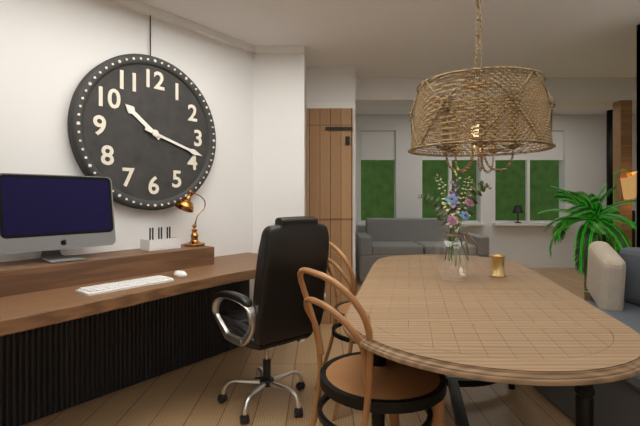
10:18
